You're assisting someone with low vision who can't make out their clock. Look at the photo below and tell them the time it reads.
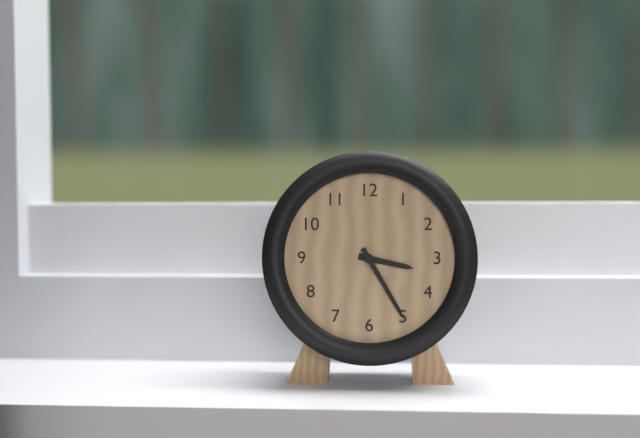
3:25
